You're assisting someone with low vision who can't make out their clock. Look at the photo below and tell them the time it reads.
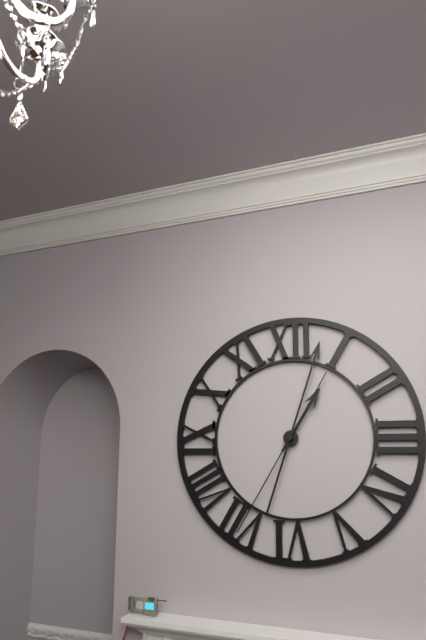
1:03:35
